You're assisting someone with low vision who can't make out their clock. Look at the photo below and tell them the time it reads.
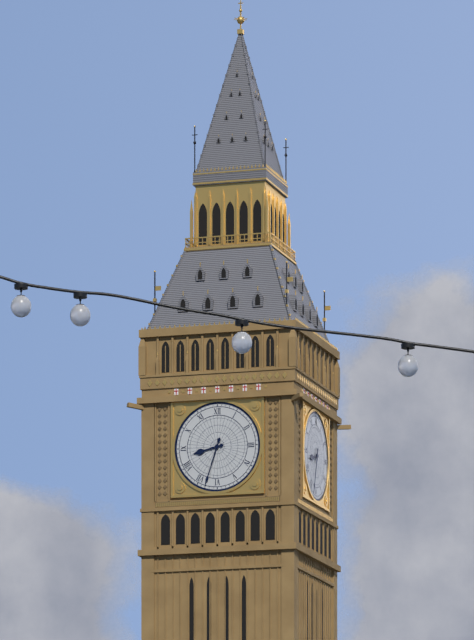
8:33
